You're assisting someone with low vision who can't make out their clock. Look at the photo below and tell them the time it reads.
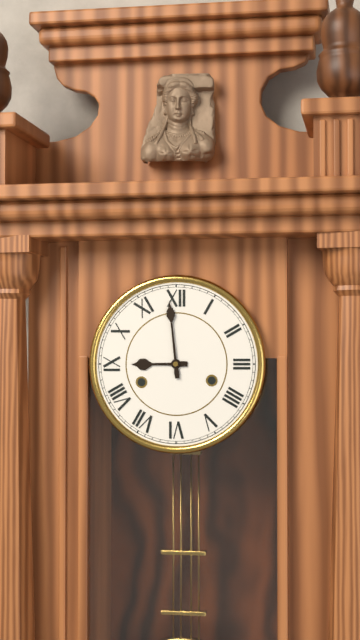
8:59
